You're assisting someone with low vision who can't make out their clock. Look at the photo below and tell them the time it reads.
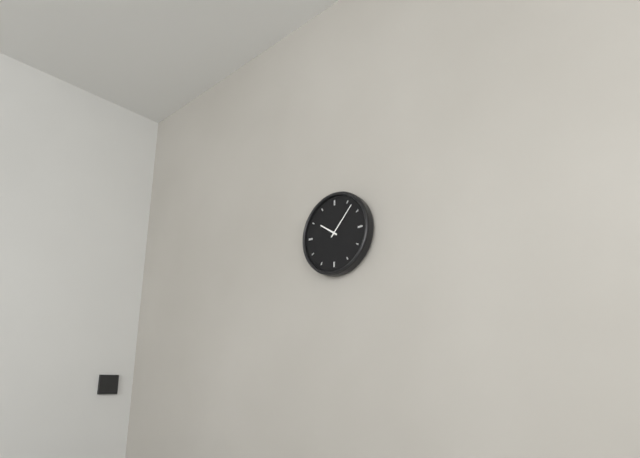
10:07
